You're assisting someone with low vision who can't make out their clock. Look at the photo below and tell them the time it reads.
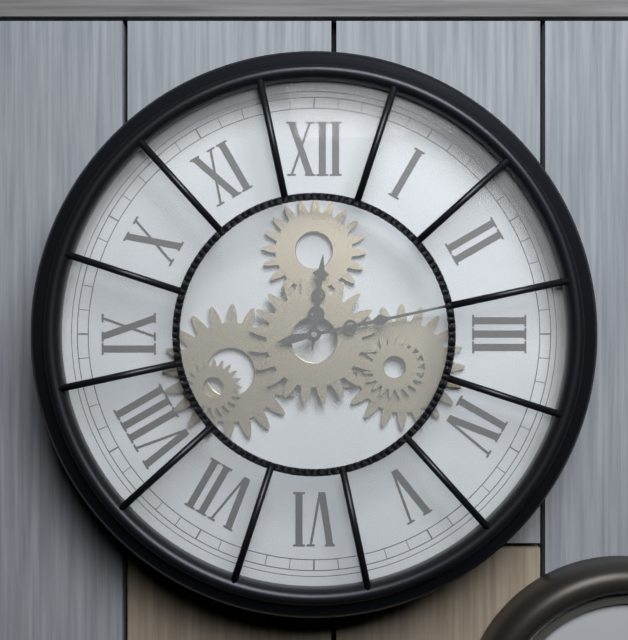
12:13
